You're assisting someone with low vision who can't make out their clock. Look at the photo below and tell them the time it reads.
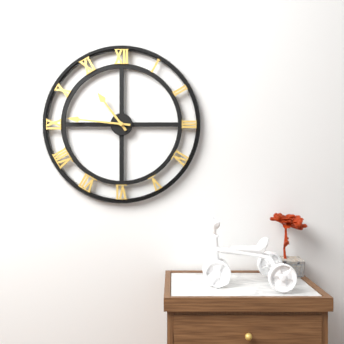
10:46
